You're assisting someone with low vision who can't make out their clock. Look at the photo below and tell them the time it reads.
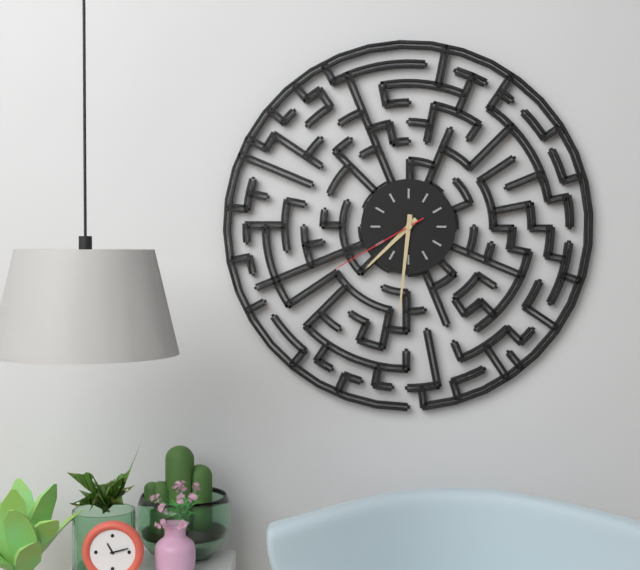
7:31:40
